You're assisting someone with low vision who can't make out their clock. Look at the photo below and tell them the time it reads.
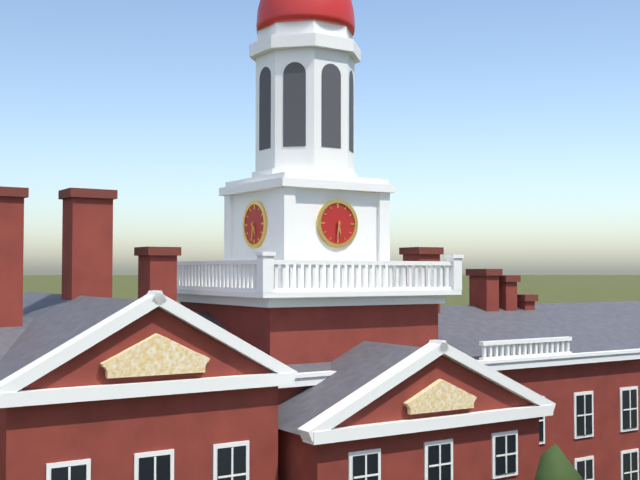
5:31
